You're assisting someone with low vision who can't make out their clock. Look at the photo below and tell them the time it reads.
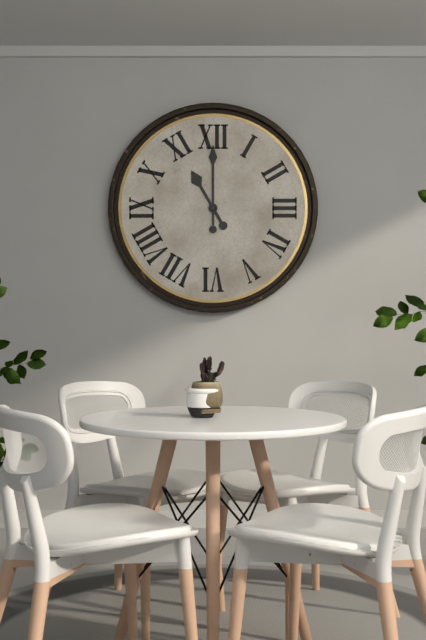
11:00
